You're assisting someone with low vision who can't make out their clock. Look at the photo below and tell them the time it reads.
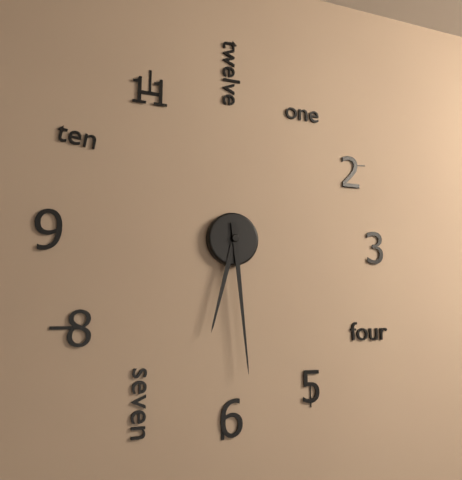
6:29
